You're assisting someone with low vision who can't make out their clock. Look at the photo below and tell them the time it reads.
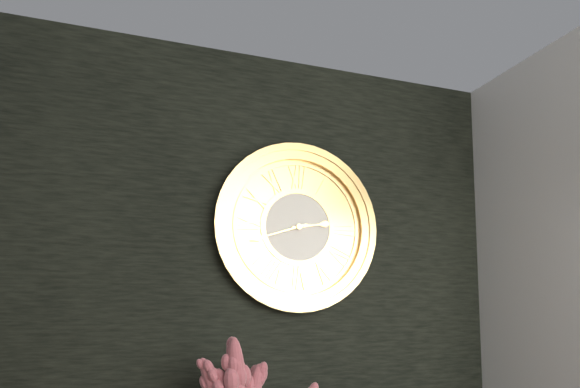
2:42
